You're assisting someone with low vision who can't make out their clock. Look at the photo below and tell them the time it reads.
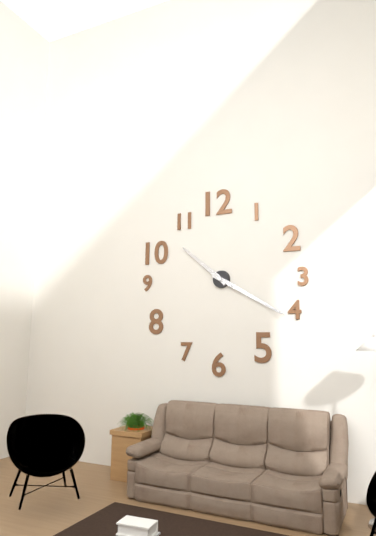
10:20
